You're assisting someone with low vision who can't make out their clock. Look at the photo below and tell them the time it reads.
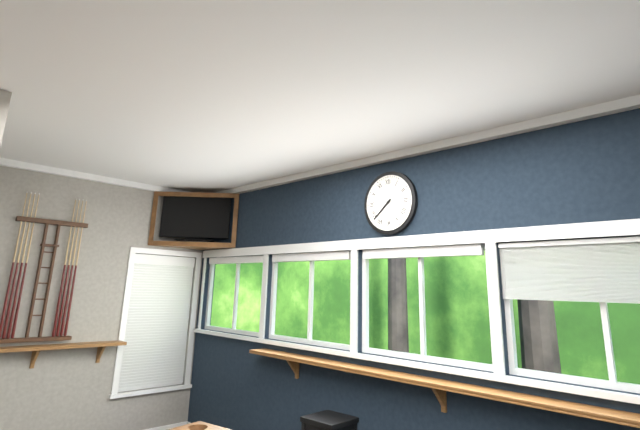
7:38
